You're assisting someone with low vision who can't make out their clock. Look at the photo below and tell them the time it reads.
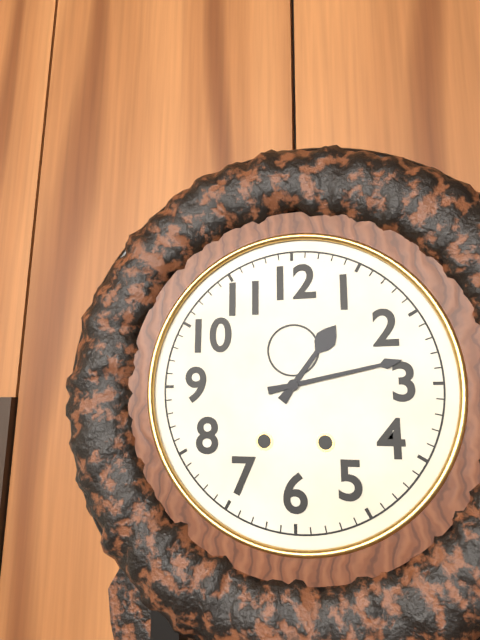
1:13
